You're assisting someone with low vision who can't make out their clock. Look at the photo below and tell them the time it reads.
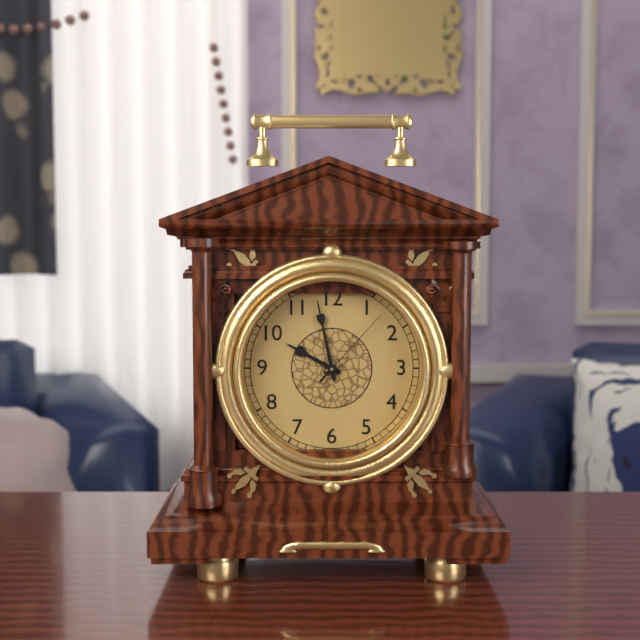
9:58:07
